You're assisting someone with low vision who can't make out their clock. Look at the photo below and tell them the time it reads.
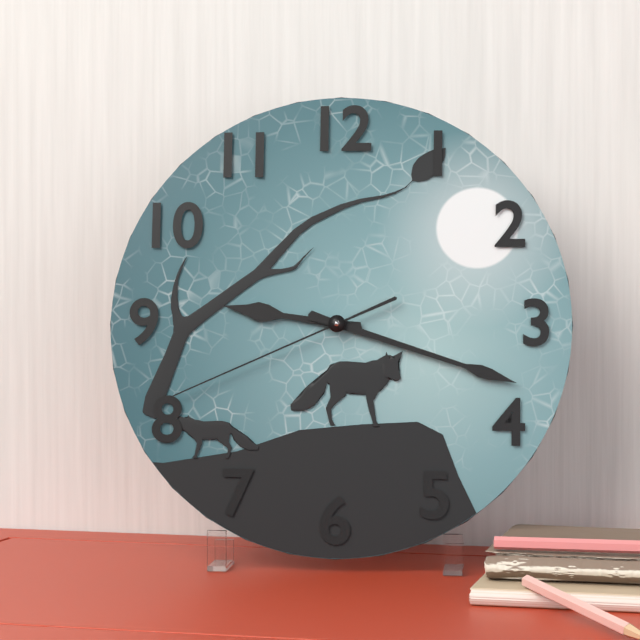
9:18:41
